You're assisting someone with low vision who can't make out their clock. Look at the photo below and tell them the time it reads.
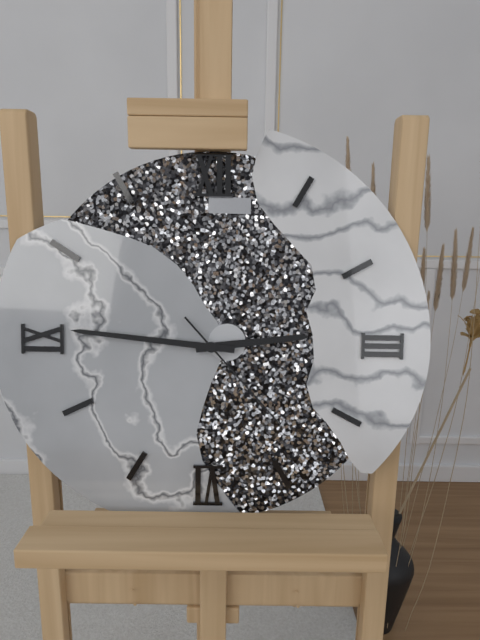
2:46:23
